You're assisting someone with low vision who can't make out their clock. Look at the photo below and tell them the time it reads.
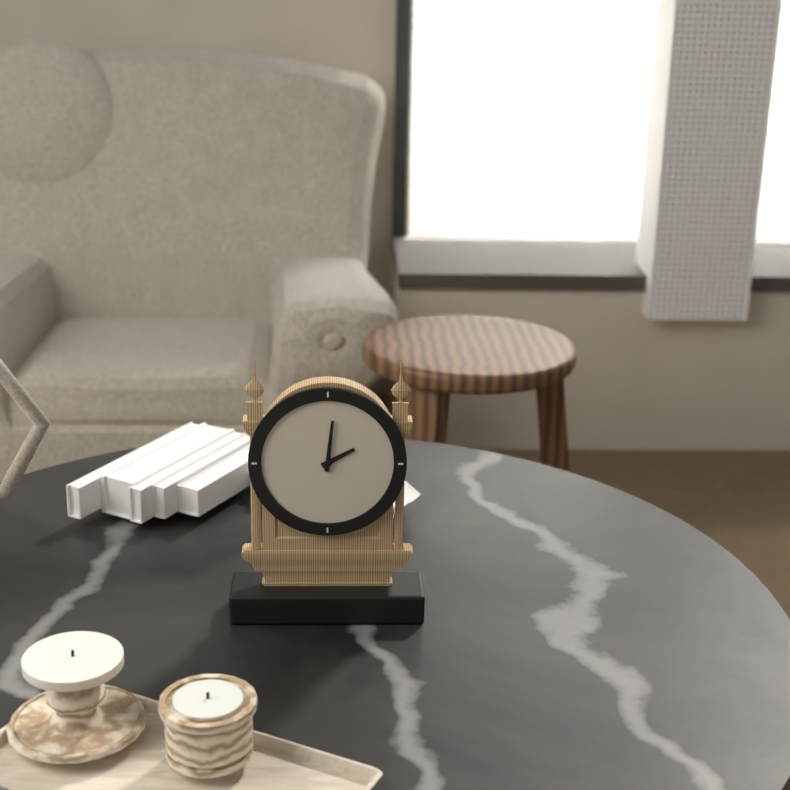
2:01
